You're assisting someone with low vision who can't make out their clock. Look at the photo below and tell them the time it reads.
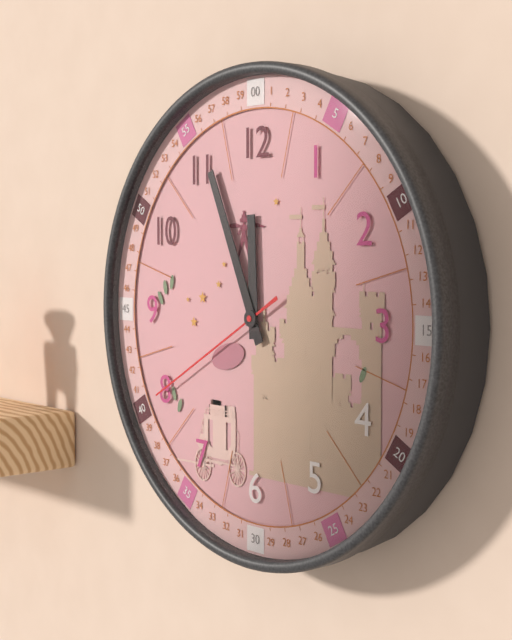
11:56:40
